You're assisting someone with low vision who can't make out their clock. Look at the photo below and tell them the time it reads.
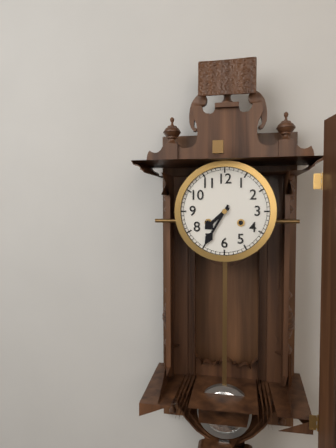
7:35
